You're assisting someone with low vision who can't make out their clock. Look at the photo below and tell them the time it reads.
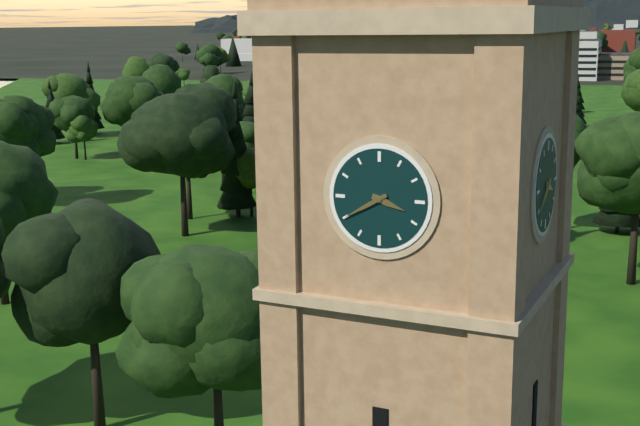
3:40
